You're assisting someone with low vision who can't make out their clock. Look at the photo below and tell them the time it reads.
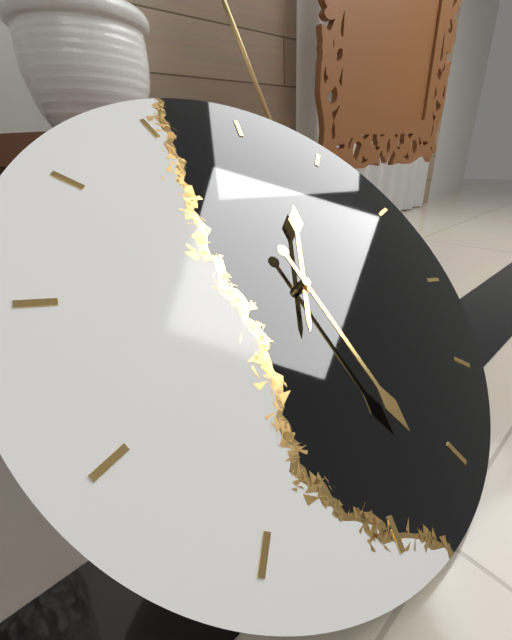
1:32
